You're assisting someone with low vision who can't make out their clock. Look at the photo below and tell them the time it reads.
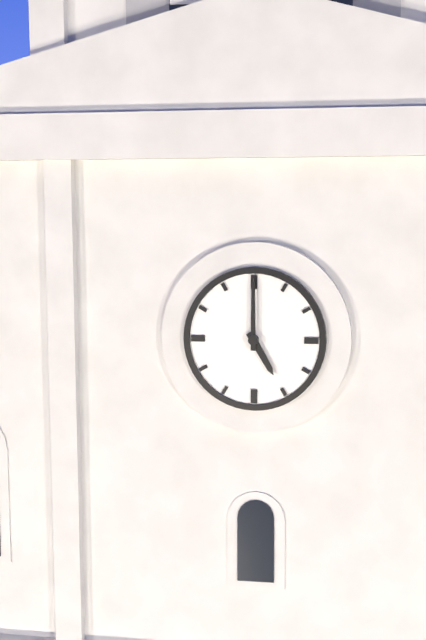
5:00
